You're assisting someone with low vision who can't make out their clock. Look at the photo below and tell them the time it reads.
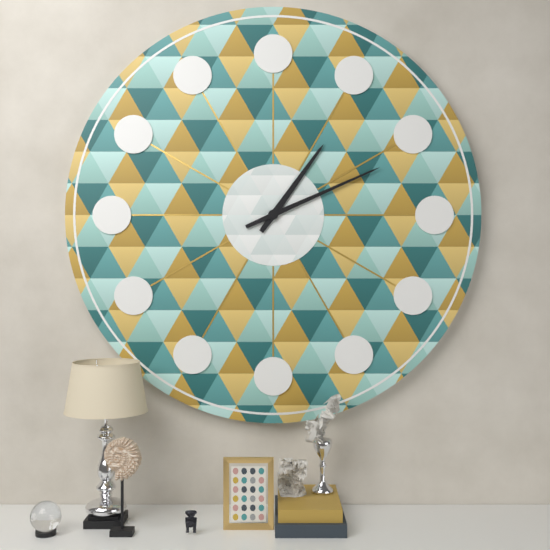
1:11
